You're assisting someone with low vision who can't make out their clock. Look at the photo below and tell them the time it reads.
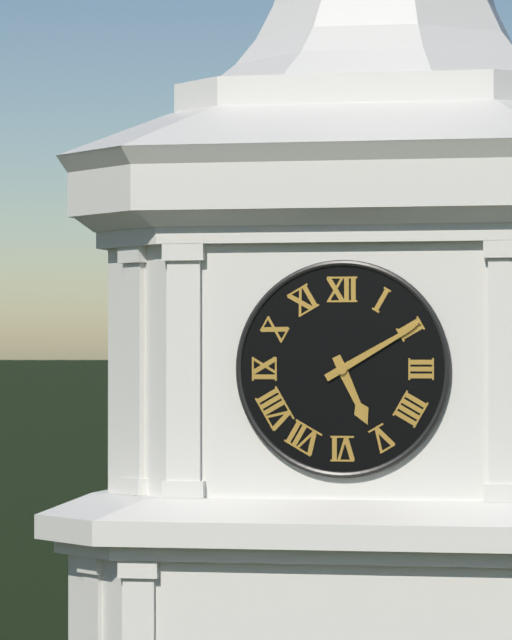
5:10
